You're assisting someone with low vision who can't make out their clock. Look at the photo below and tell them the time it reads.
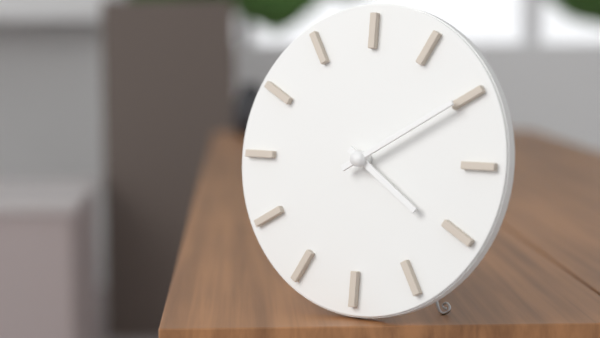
4:10
